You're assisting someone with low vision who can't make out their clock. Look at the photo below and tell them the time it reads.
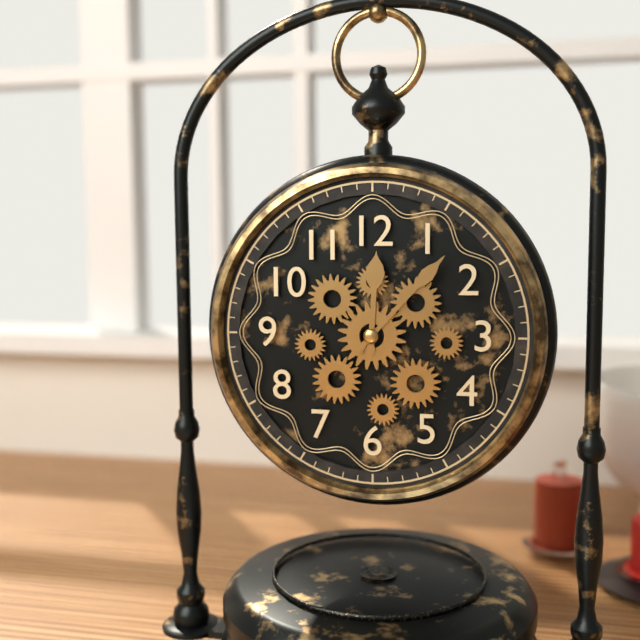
12:07
